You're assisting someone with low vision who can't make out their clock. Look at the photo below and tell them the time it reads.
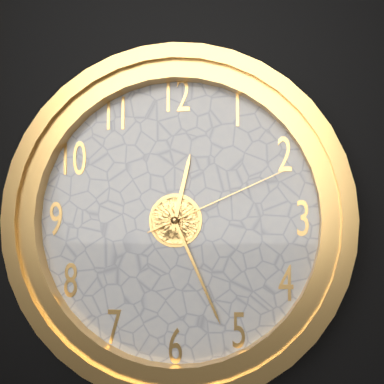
12:26:11
